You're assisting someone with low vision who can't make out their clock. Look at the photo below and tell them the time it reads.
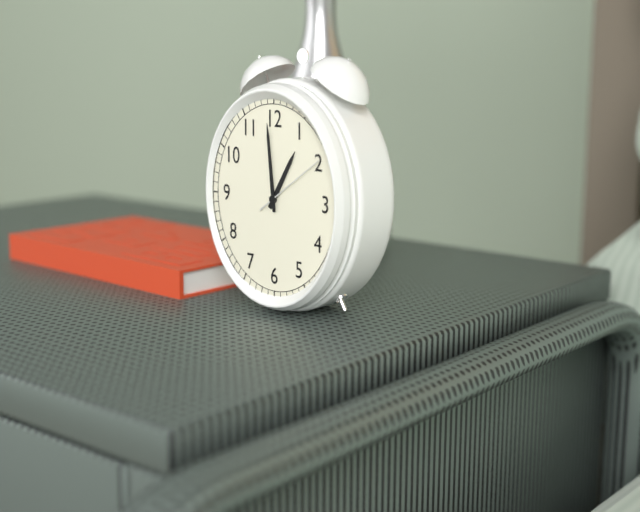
12:59:09
